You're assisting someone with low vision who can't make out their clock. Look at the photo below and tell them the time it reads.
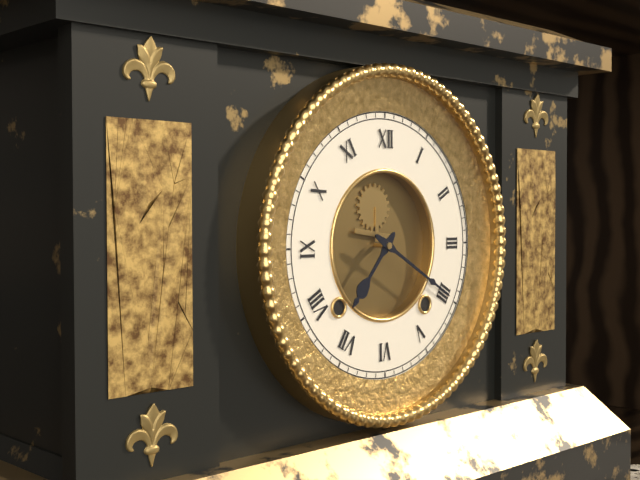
7:20
